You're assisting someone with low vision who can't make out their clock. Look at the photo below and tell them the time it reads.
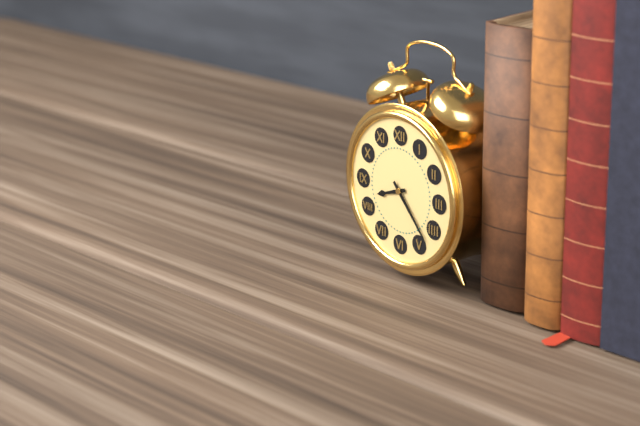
8:23
